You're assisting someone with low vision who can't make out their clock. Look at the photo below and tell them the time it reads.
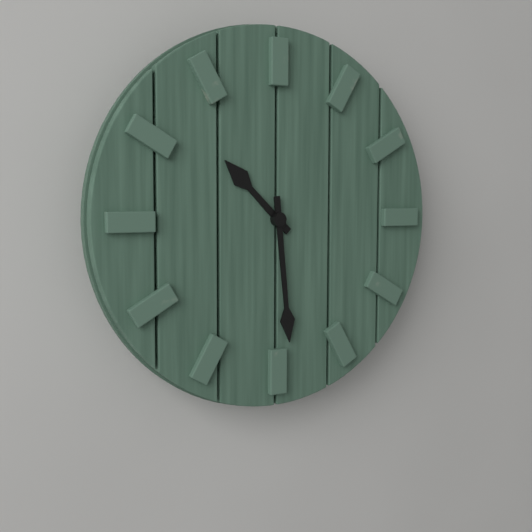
10:29
